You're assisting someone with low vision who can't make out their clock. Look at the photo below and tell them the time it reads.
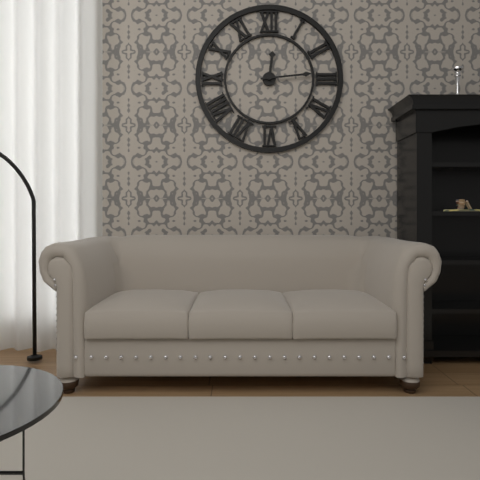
12:14
